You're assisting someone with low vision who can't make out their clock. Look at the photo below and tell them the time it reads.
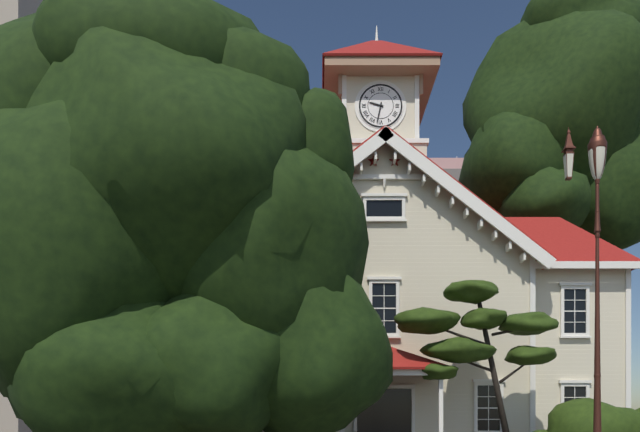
9:32
